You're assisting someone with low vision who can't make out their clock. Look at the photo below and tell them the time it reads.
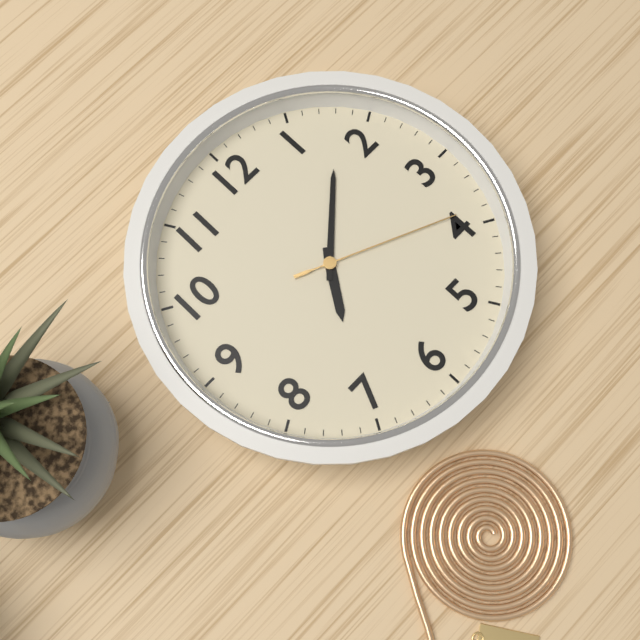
7:08:19
